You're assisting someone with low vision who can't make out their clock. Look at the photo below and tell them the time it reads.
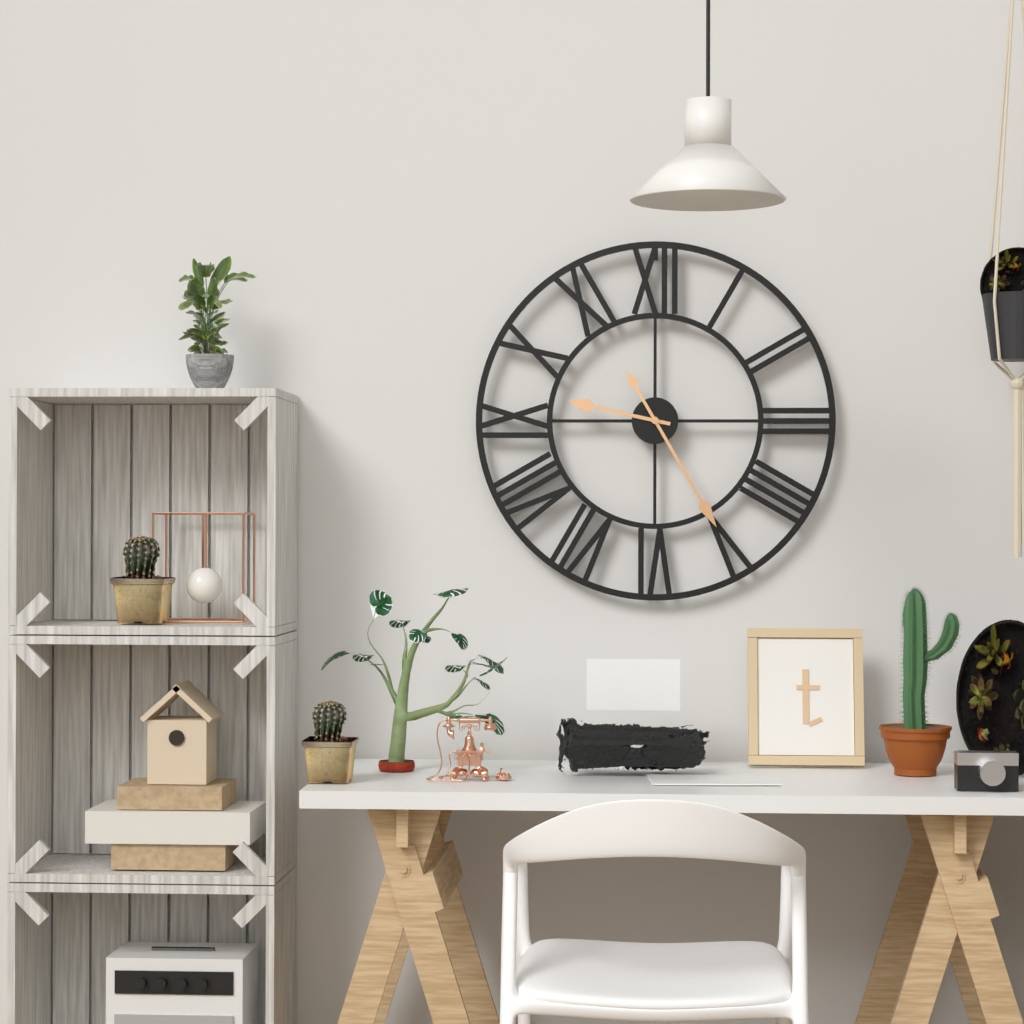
9:25
